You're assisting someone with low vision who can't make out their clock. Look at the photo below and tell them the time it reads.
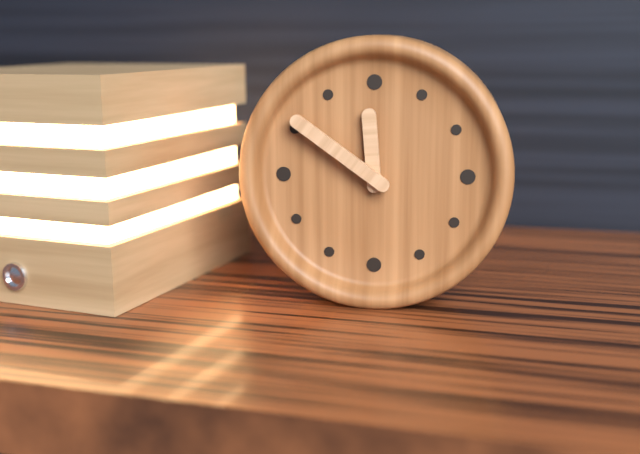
11:51
